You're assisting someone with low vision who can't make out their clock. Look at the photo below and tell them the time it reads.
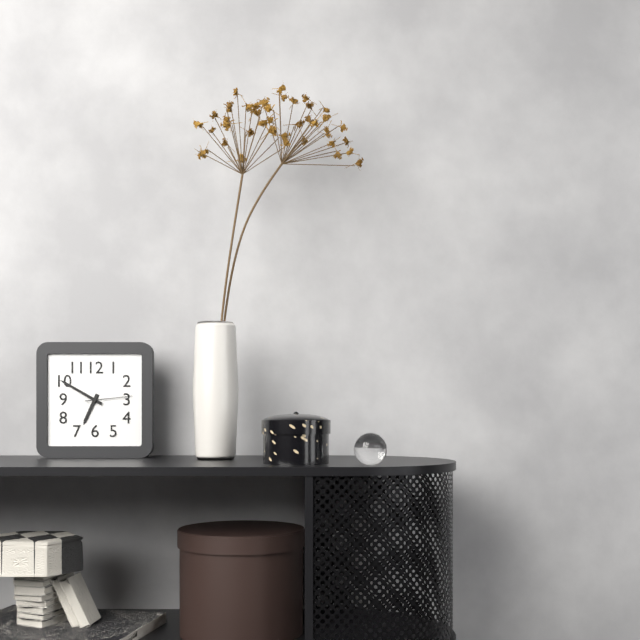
6:50
